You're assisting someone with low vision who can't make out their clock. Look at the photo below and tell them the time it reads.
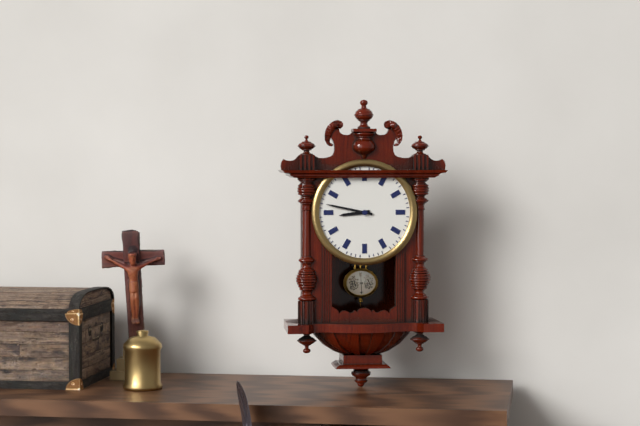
8:47
